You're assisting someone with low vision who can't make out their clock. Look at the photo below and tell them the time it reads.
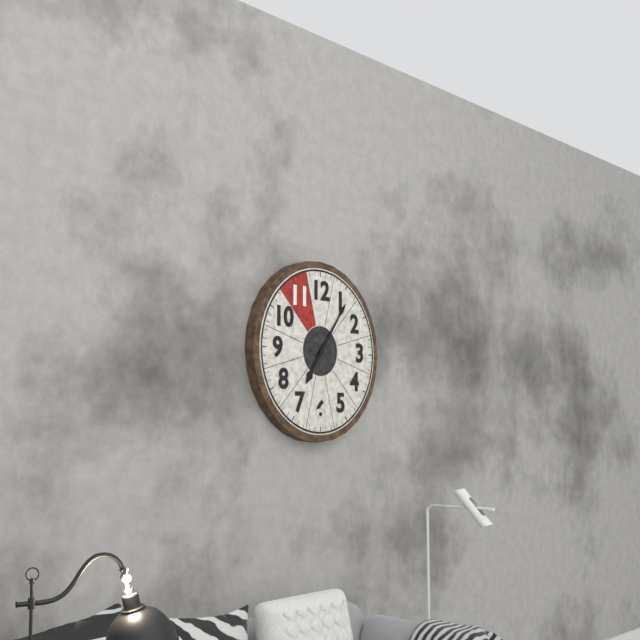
7:06
